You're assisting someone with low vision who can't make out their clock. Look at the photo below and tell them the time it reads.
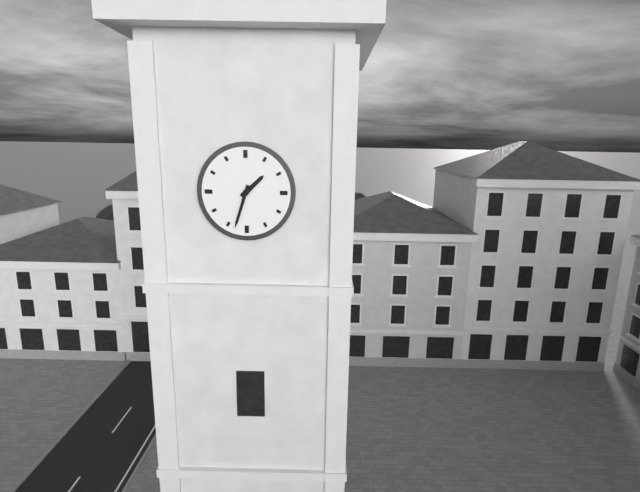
1:33
